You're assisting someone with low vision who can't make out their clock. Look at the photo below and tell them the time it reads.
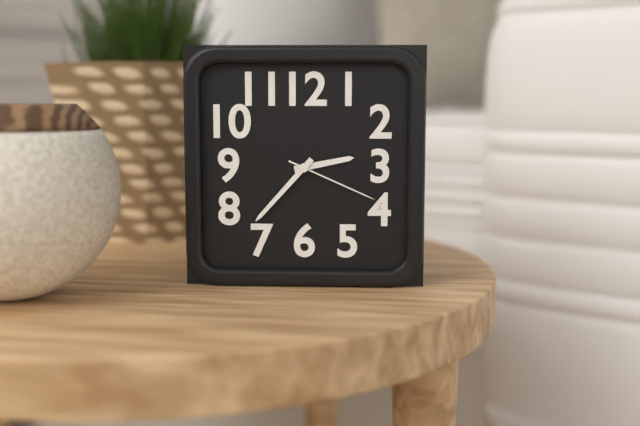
2:37:19
